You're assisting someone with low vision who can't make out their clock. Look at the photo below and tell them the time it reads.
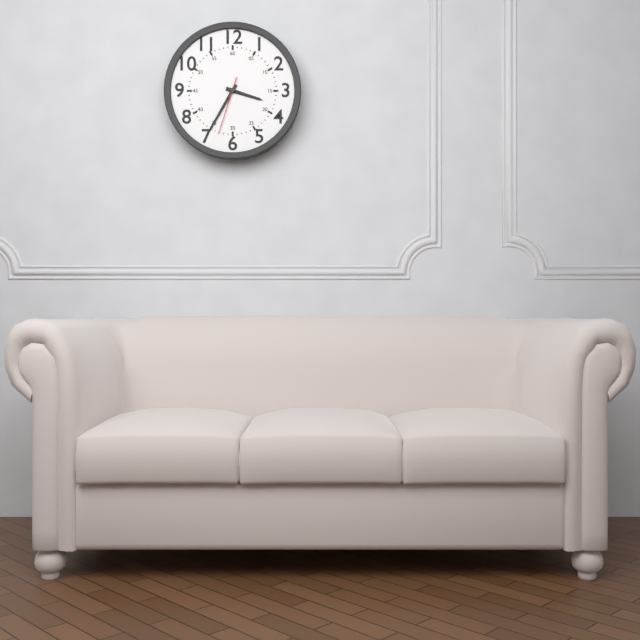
3:35:33
